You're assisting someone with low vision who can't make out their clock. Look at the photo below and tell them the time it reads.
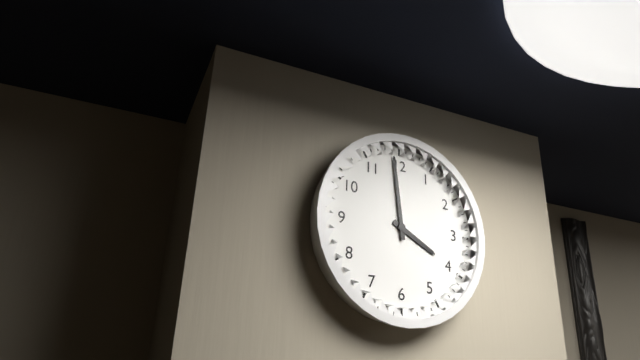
3:59
